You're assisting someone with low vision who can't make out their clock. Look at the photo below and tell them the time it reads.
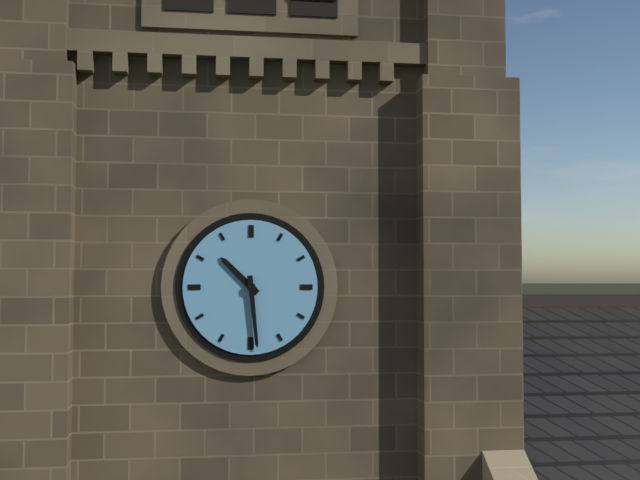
10:29
